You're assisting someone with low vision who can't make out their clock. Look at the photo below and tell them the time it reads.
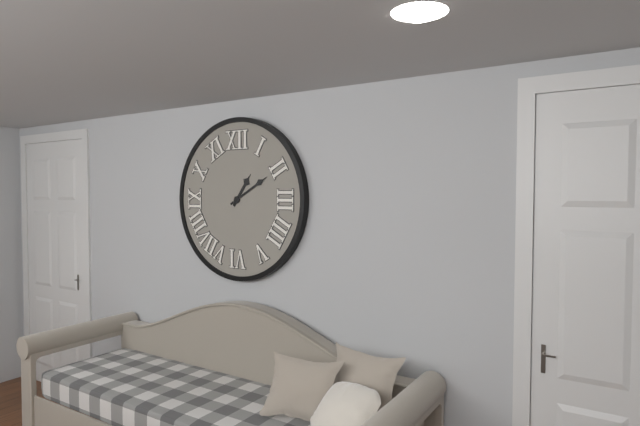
1:10
